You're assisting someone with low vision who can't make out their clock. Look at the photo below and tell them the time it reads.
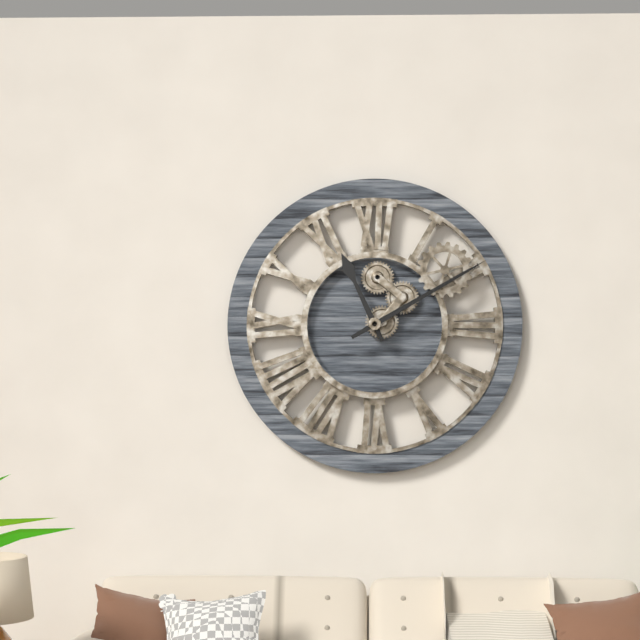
11:10
